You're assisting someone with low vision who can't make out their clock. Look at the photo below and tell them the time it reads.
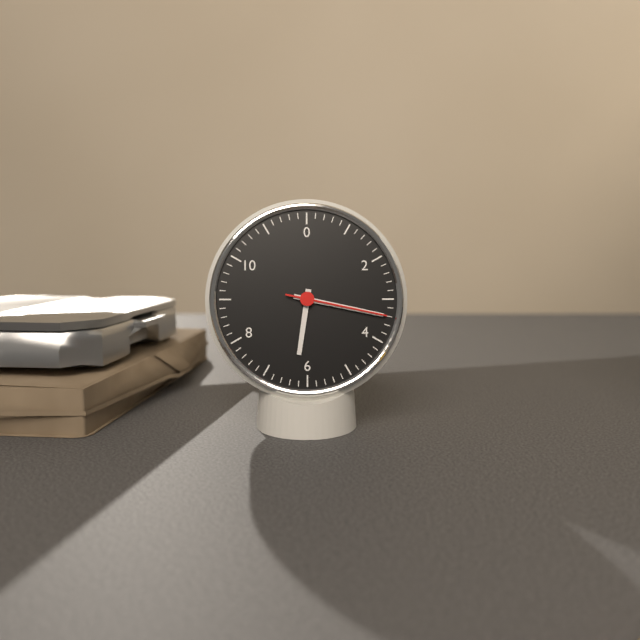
6:17:17
